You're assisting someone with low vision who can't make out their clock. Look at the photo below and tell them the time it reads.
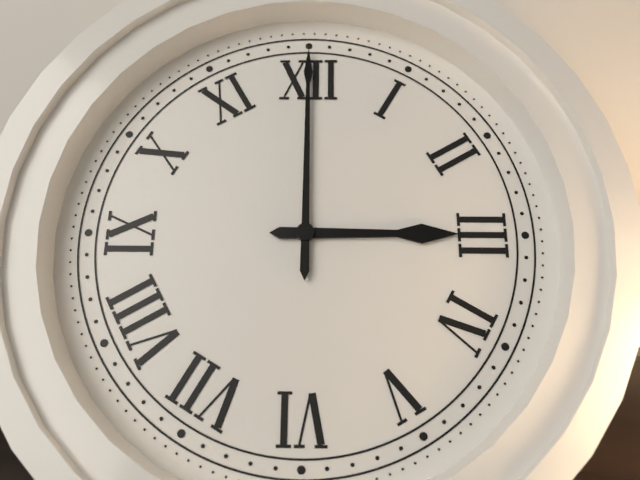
3:00
